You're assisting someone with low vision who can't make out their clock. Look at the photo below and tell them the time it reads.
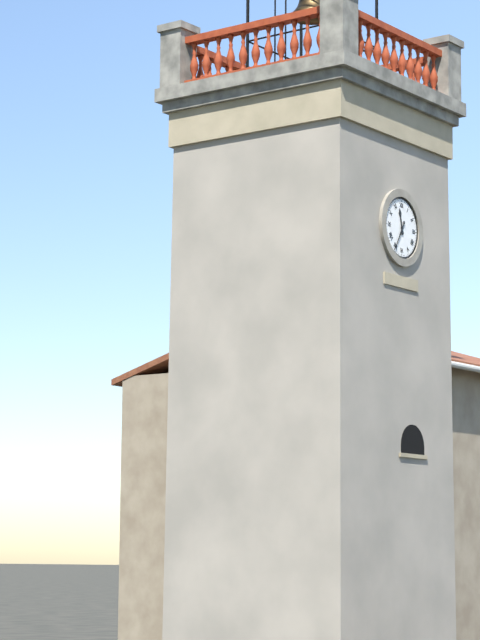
11:35
